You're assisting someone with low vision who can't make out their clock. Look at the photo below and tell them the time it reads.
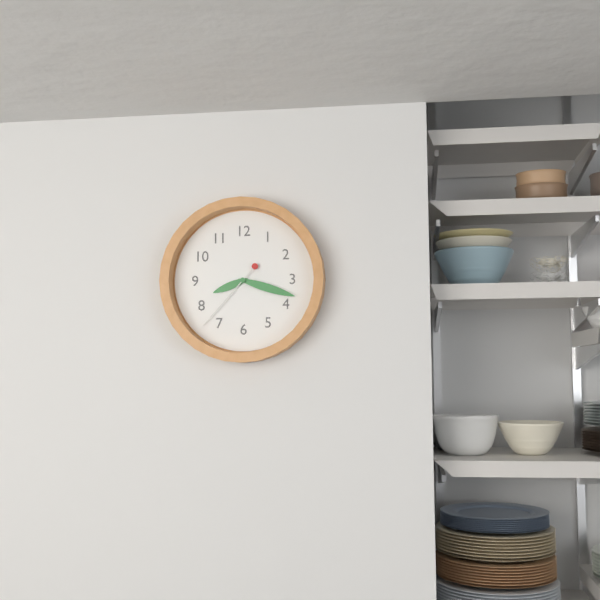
8:18:37
